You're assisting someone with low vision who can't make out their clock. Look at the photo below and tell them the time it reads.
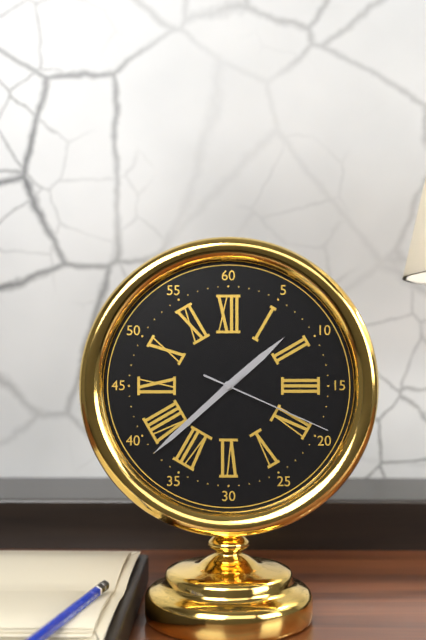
1:38:19
